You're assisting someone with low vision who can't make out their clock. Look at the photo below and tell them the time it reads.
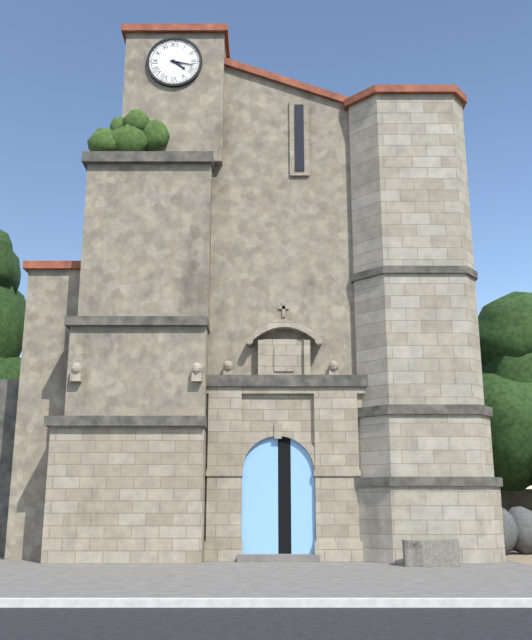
4:17
